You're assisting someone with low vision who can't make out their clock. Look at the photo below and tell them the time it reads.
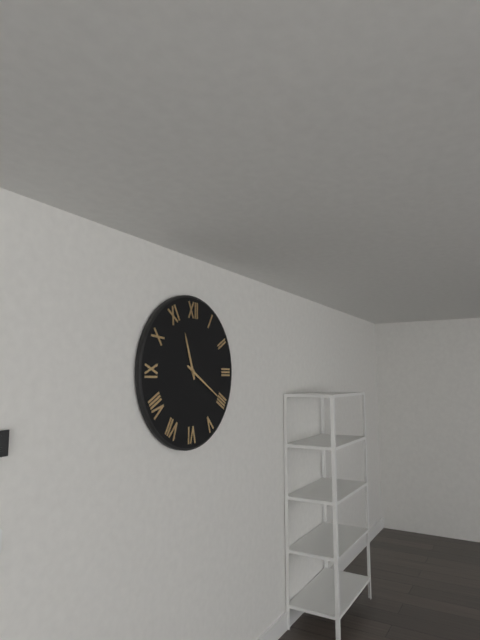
11:20
